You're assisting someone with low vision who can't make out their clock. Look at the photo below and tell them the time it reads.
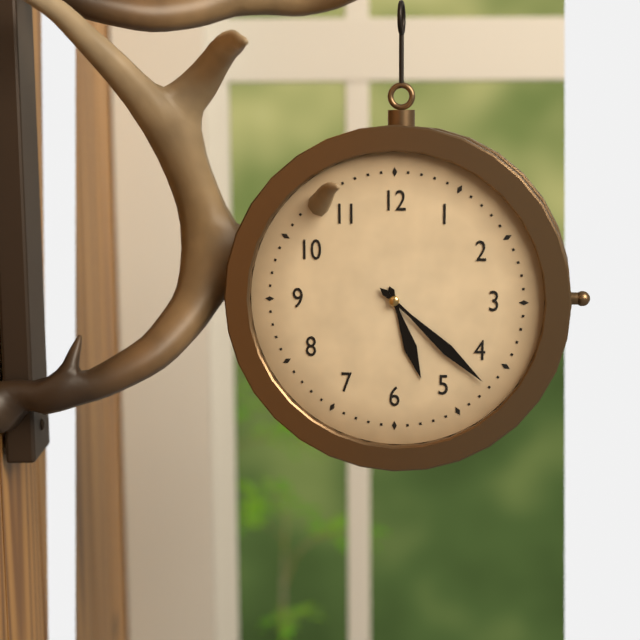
5:22
